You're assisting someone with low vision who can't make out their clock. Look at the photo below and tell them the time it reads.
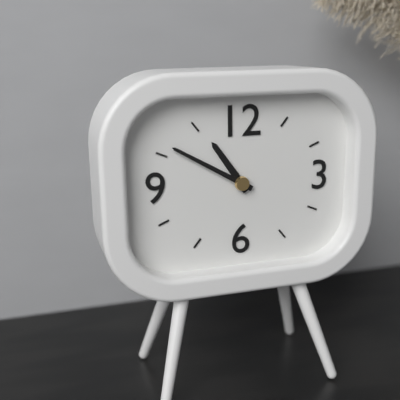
10:50
